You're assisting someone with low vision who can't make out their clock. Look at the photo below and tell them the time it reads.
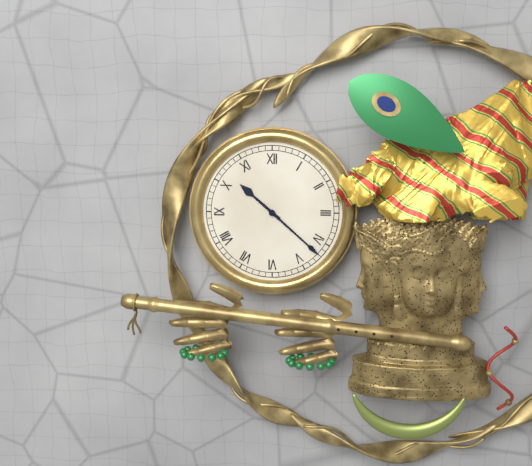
10:22
